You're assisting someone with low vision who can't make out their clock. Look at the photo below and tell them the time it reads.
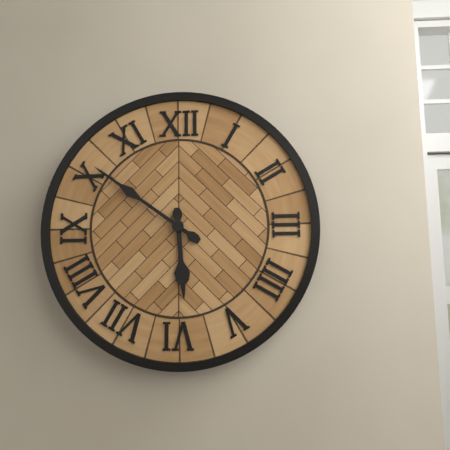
5:51
